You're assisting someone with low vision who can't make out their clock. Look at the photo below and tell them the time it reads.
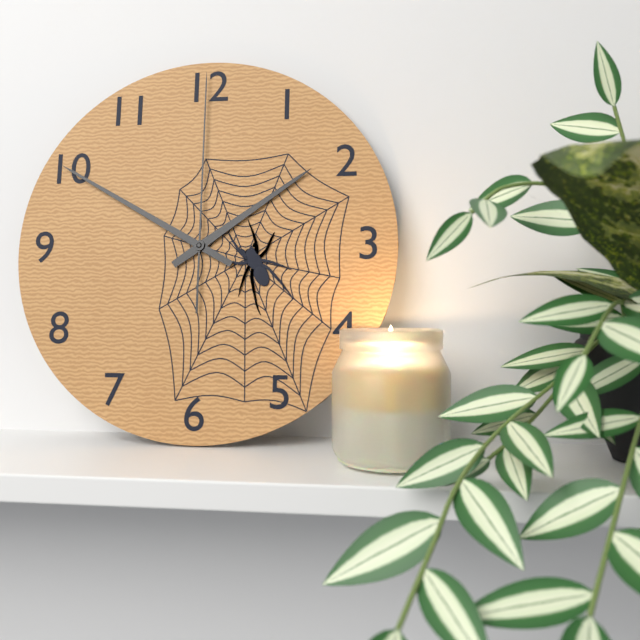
1:50:00
